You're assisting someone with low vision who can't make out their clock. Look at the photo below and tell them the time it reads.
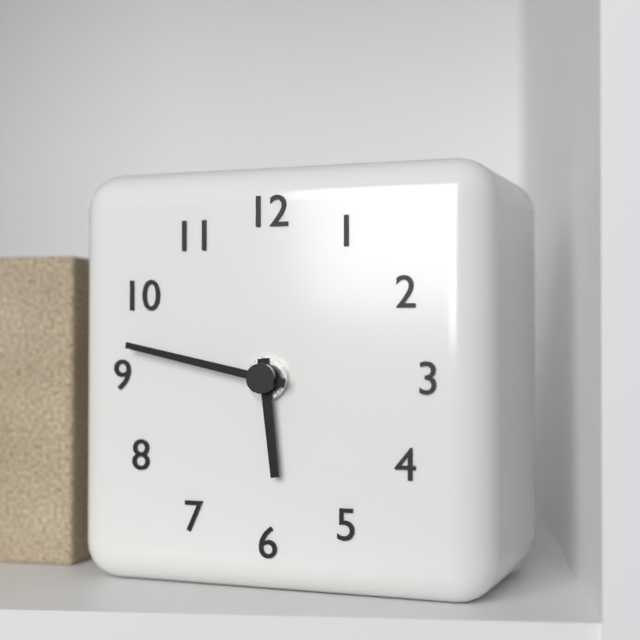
5:47
